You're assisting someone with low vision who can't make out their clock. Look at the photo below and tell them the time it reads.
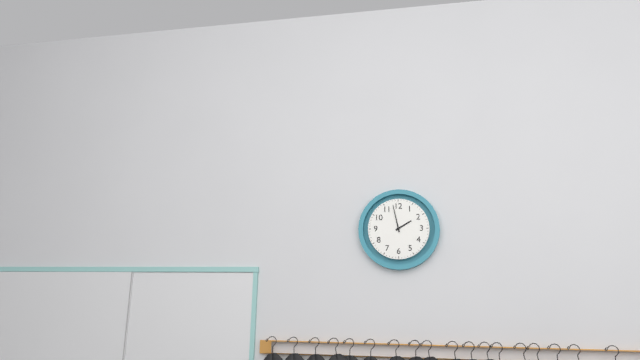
1:58
